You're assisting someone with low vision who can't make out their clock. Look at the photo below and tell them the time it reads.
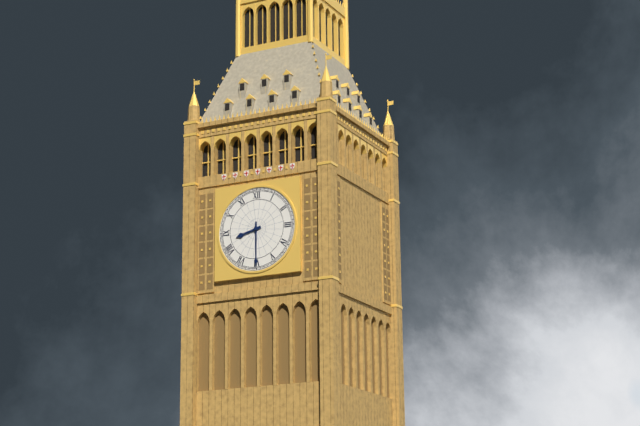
8:30
